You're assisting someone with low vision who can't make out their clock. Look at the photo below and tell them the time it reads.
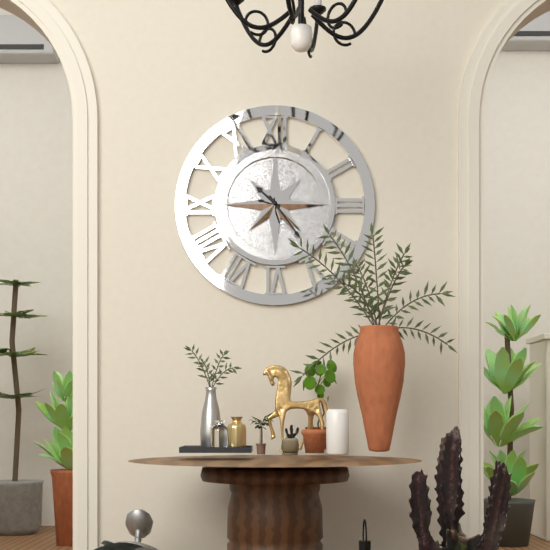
10:24
